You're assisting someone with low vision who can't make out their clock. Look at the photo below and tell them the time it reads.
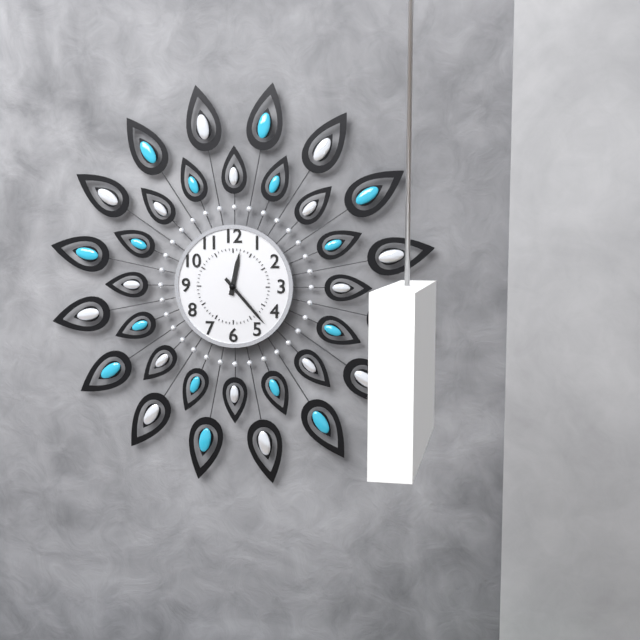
12:23
